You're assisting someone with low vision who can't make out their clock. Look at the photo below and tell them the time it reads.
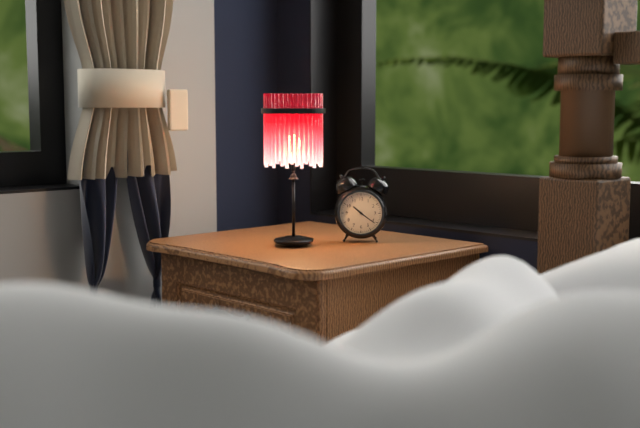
10:21
